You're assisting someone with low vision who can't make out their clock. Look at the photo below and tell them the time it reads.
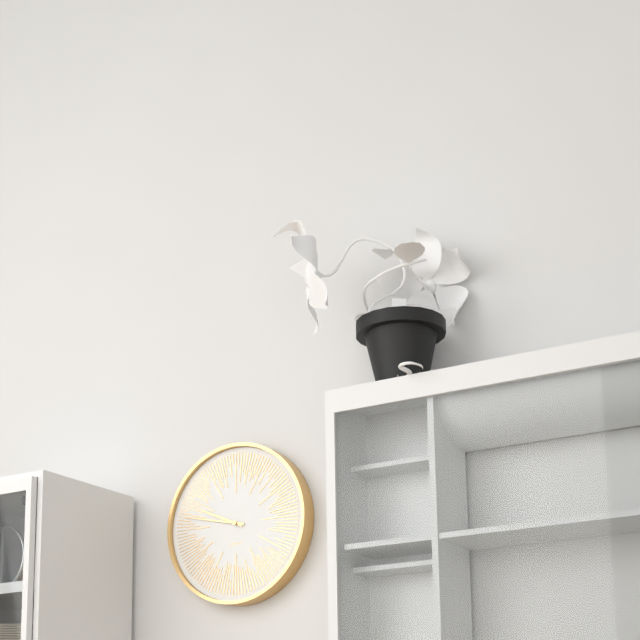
9:47
